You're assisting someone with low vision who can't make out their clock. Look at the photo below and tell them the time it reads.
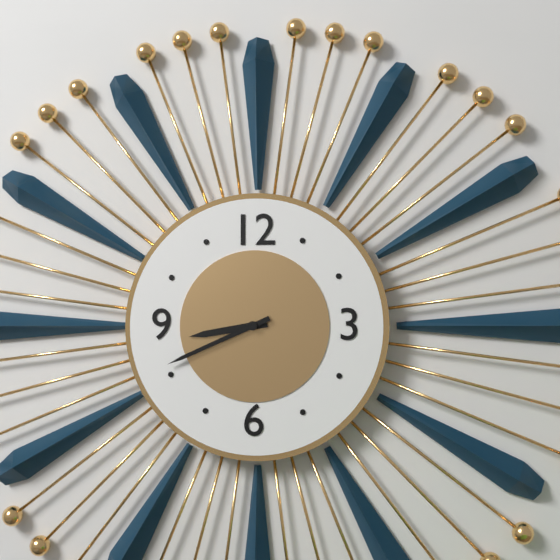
8:41
